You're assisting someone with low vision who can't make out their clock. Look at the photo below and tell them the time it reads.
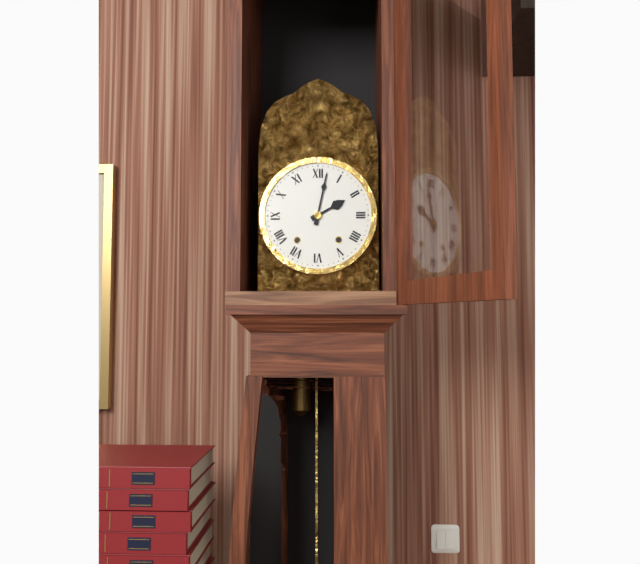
2:02
